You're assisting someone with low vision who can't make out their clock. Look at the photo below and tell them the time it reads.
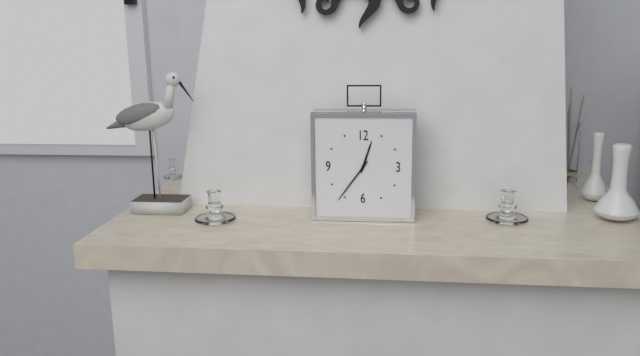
12:36
